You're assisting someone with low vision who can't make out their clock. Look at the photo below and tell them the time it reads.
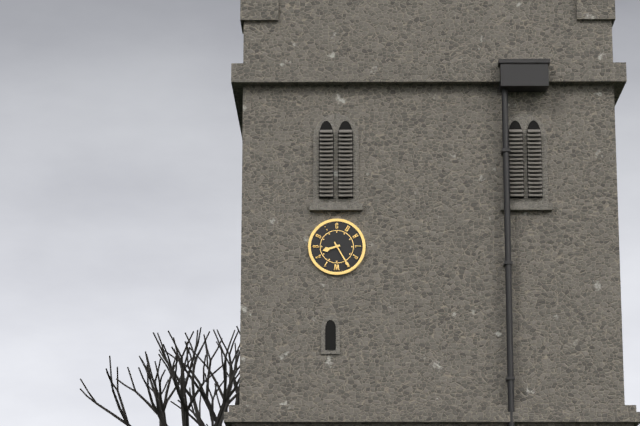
8:25
